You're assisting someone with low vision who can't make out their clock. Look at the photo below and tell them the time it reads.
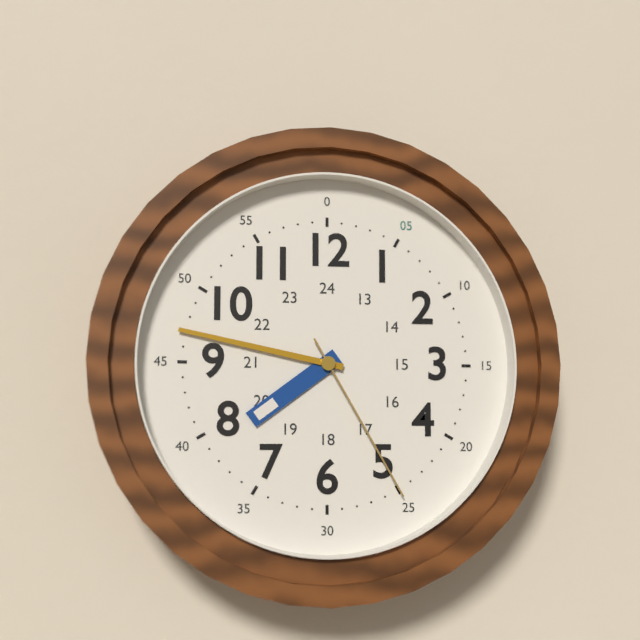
7:47:25
